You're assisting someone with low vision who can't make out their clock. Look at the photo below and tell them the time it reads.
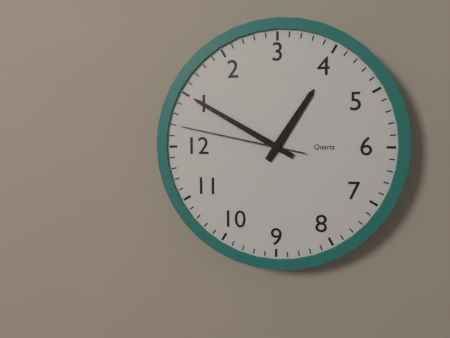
4:05:02
